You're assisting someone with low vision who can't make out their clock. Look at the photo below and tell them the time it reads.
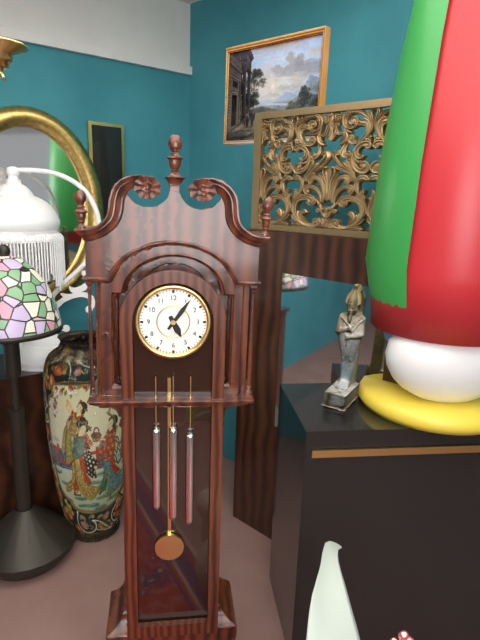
5:06
